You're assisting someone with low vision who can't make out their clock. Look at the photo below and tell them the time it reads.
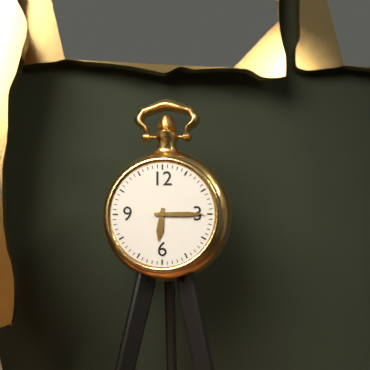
6:15
